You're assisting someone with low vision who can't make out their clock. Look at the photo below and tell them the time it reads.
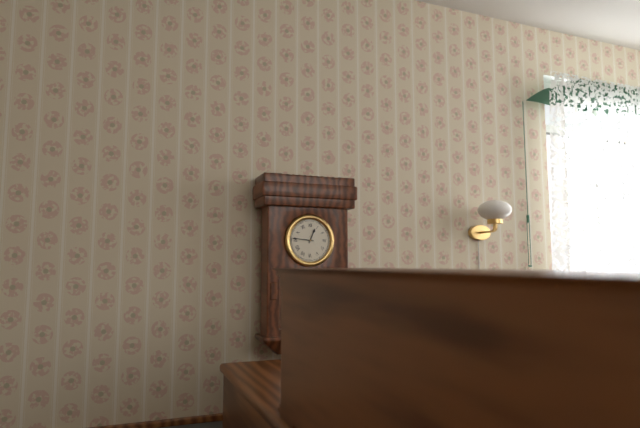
12:46
